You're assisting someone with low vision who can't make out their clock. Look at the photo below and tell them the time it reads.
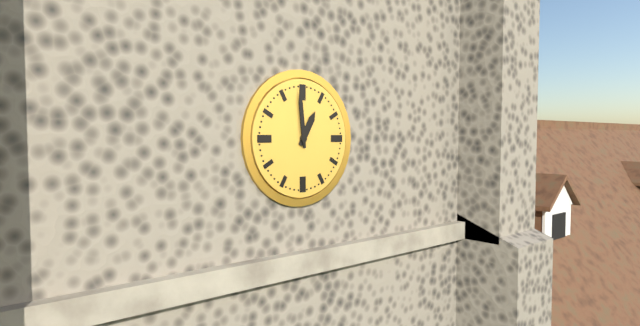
12:59
